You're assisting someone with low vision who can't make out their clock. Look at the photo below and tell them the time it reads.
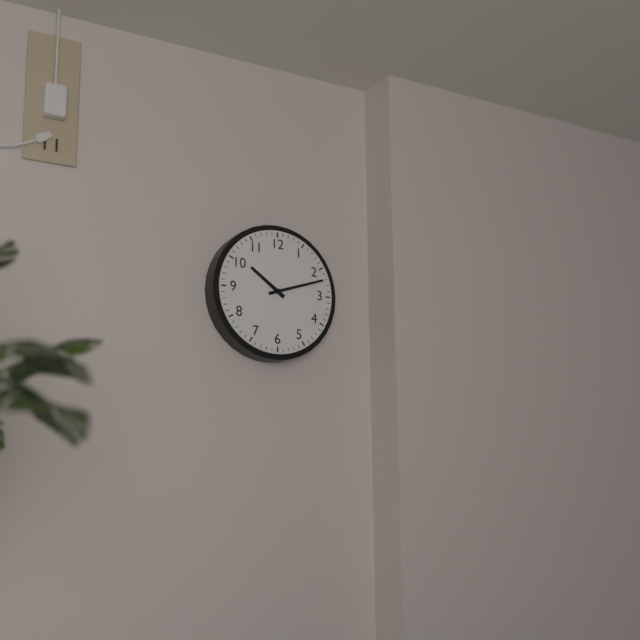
10:12
